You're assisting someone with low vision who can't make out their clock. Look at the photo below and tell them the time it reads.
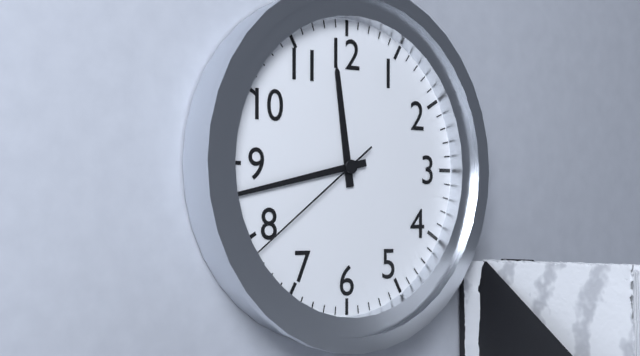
11:43:39
